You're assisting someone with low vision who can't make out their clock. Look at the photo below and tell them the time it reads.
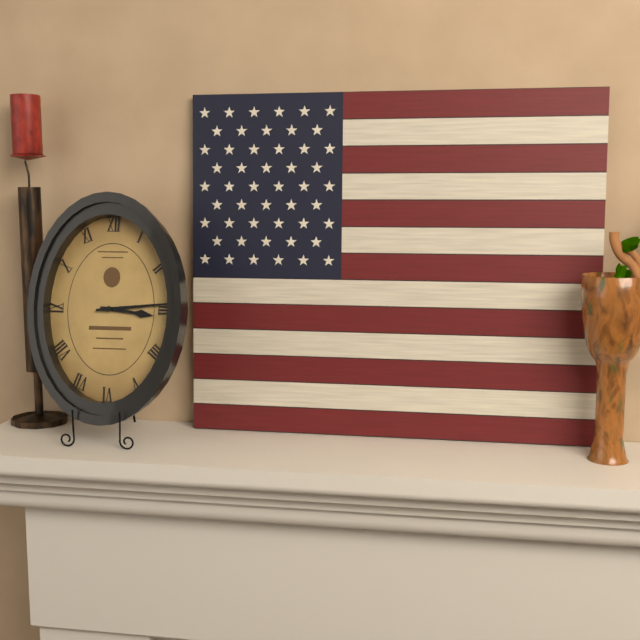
3:14
